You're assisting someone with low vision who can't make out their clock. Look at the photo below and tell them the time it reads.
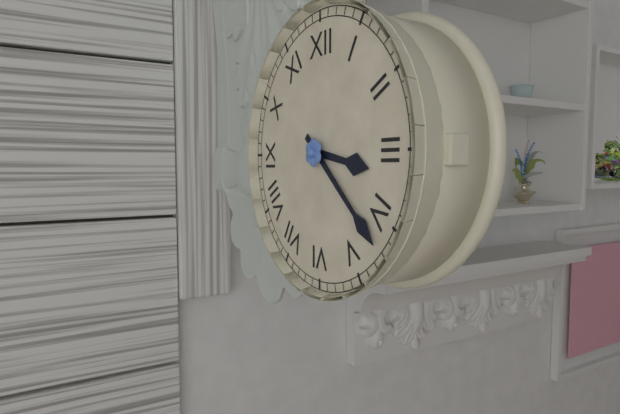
3:22
